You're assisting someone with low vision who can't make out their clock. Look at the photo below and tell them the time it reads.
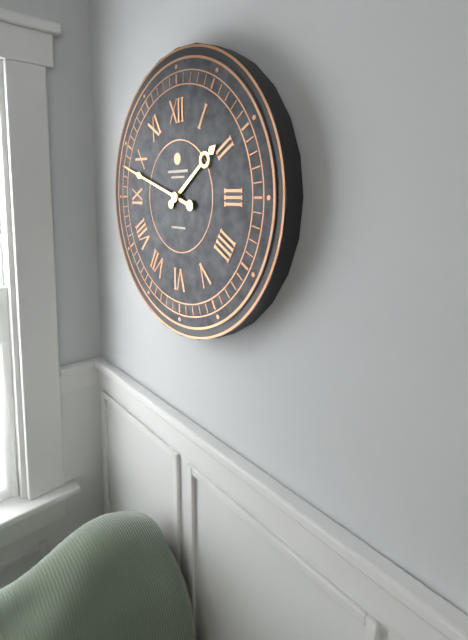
1:48
